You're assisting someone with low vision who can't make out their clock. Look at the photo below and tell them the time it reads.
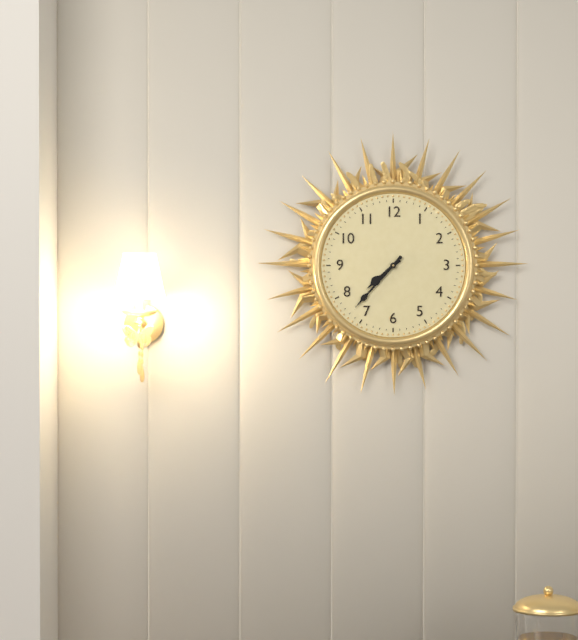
7:37
